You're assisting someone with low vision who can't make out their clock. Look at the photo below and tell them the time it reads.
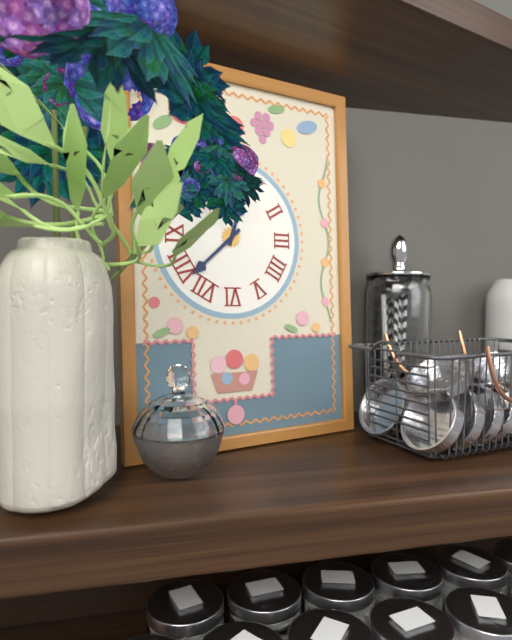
12:38
